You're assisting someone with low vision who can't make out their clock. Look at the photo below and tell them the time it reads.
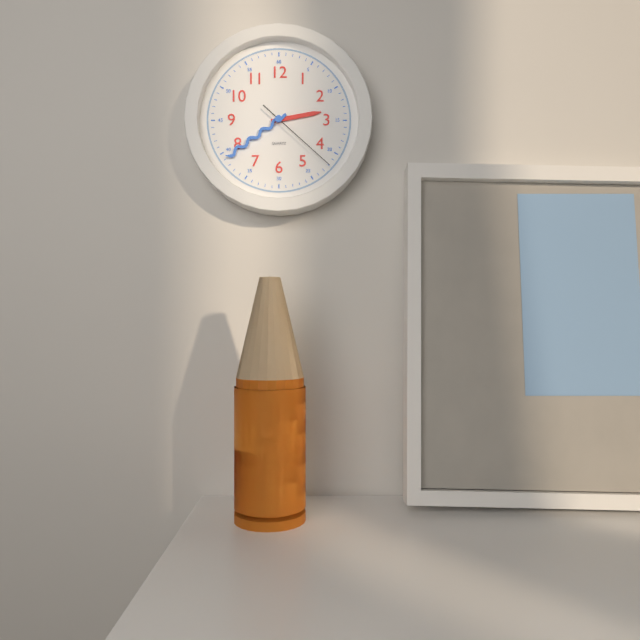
2:39:22
